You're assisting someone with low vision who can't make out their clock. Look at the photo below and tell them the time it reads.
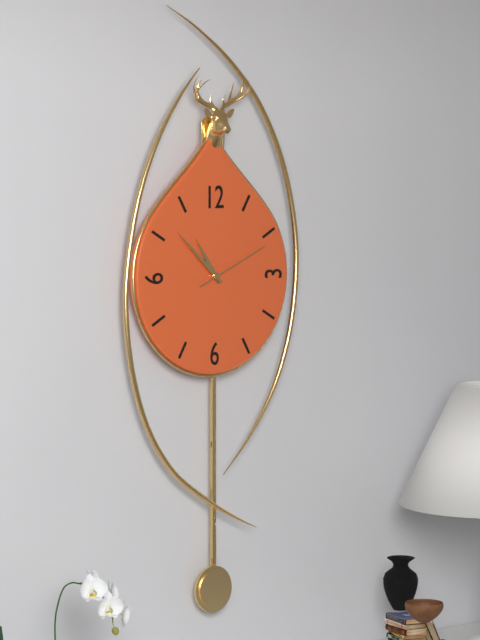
10:52:11
